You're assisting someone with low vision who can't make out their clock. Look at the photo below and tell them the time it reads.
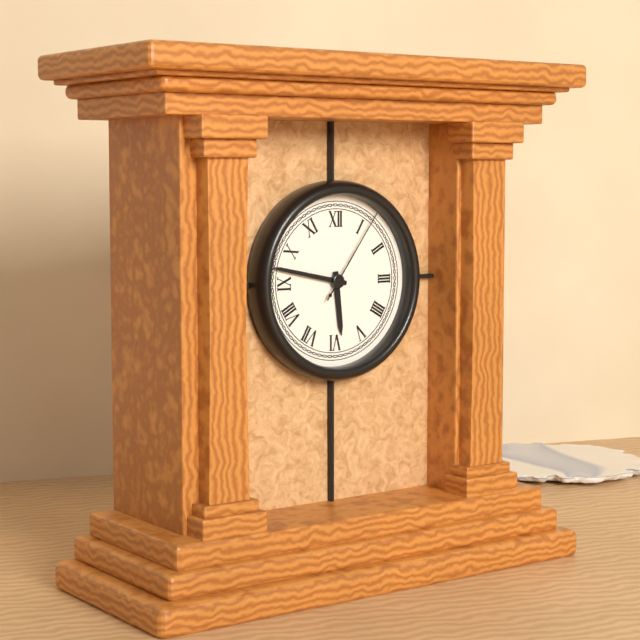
5:47:06
